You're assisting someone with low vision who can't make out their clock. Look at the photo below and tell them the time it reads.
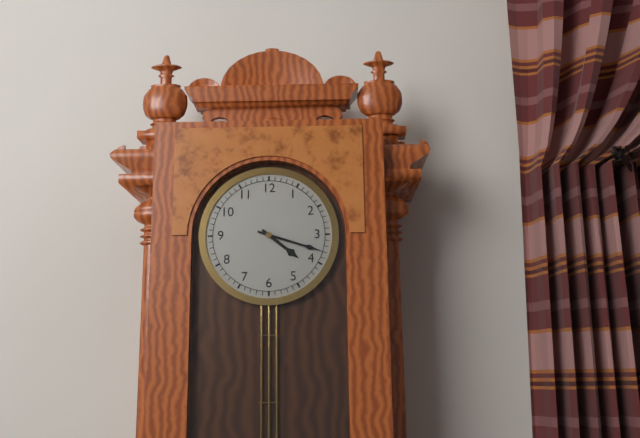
4:18
